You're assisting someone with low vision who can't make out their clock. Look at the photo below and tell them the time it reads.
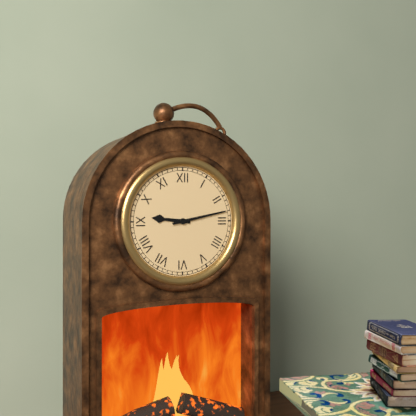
9:13
